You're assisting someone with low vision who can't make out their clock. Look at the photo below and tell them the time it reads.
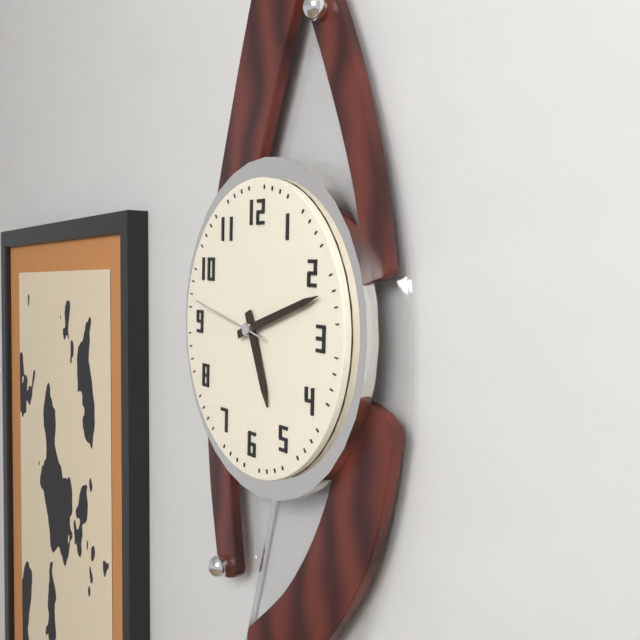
5:12:47
